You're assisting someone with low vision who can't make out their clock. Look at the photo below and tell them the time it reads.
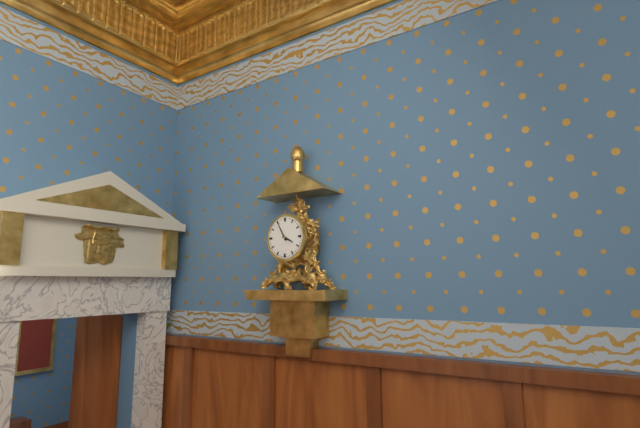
3:55
